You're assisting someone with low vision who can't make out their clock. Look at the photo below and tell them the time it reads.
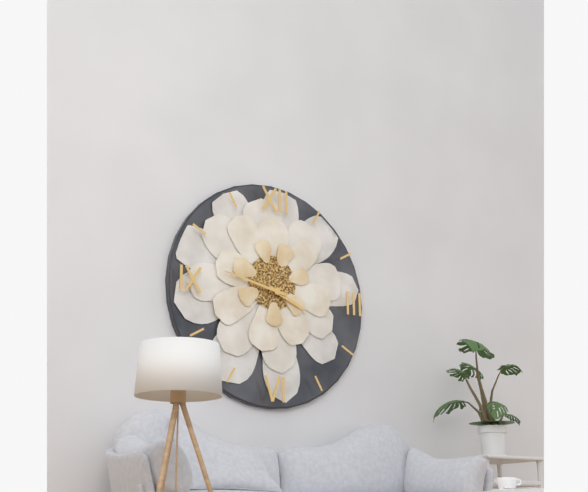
3:47
